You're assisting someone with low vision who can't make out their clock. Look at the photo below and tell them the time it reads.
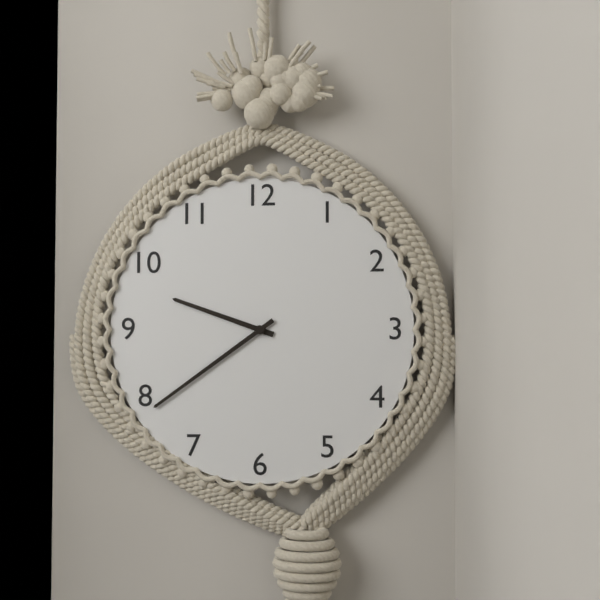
9:39
